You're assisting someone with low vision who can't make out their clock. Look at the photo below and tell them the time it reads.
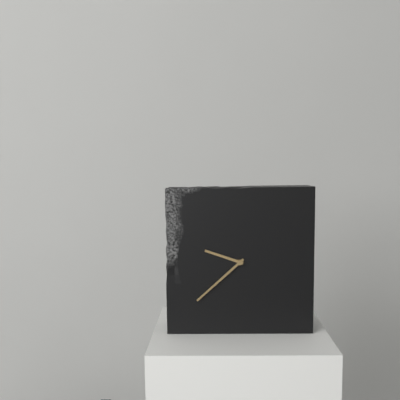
9:38
